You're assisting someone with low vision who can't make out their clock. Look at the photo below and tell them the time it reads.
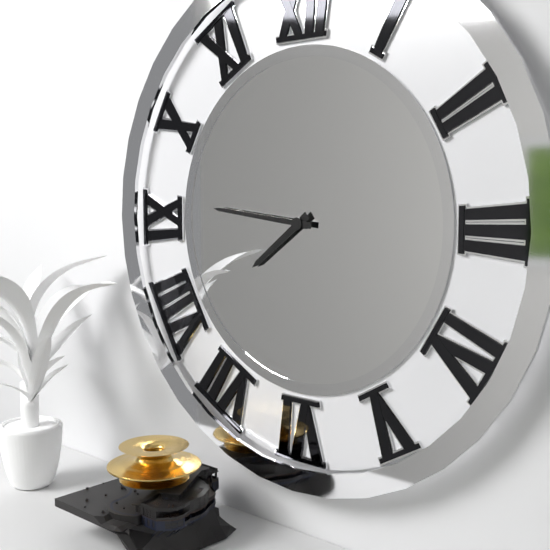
7:46
